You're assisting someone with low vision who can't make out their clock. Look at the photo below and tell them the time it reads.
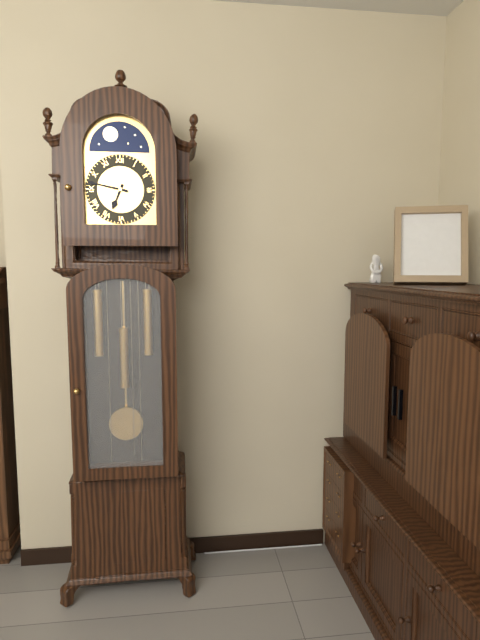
6:47
